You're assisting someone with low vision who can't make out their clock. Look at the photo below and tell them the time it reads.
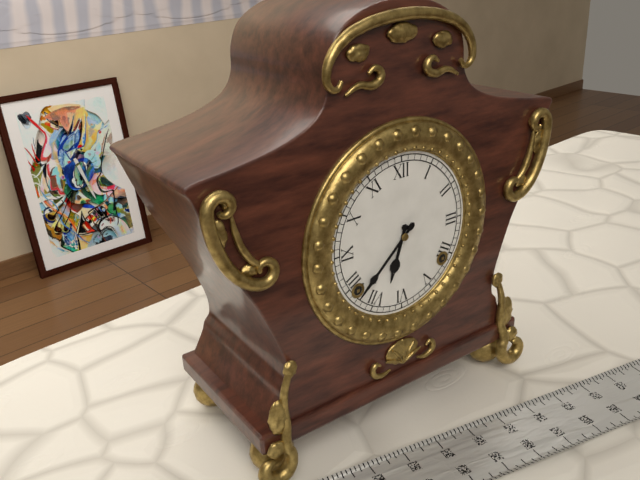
6:38
